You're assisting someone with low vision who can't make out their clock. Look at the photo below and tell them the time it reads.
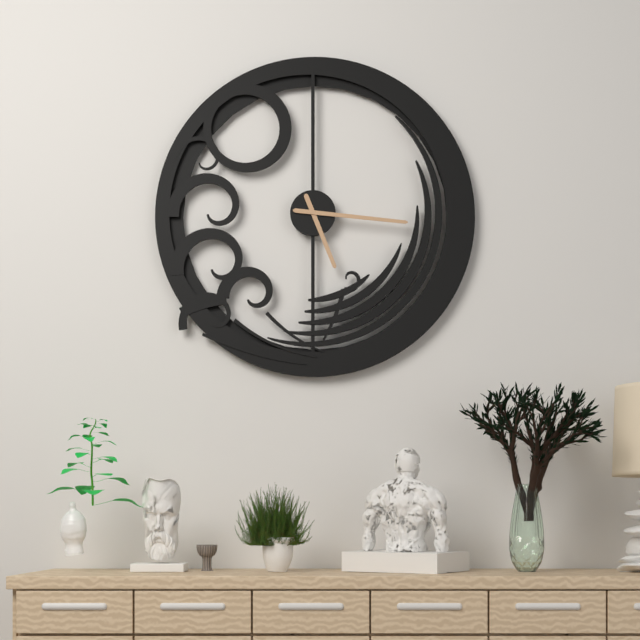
5:16
